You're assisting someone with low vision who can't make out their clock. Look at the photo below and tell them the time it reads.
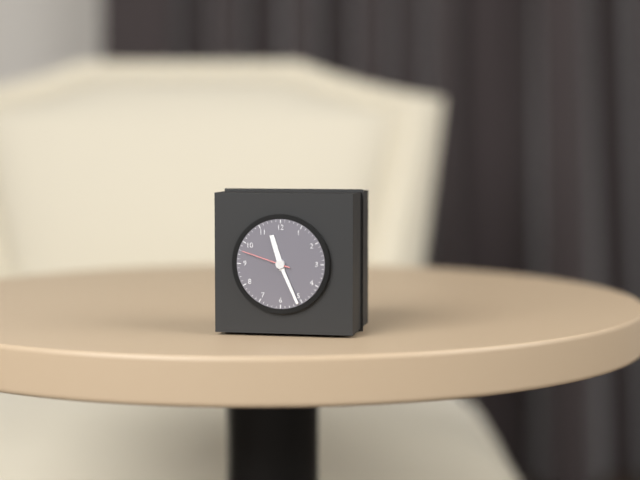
11:26:48
